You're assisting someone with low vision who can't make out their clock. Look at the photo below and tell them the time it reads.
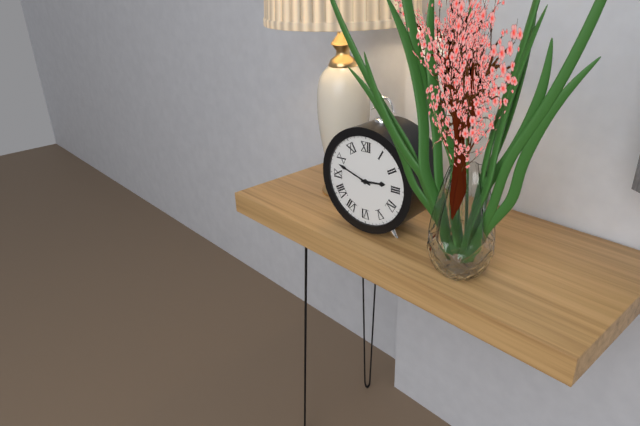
2:48
